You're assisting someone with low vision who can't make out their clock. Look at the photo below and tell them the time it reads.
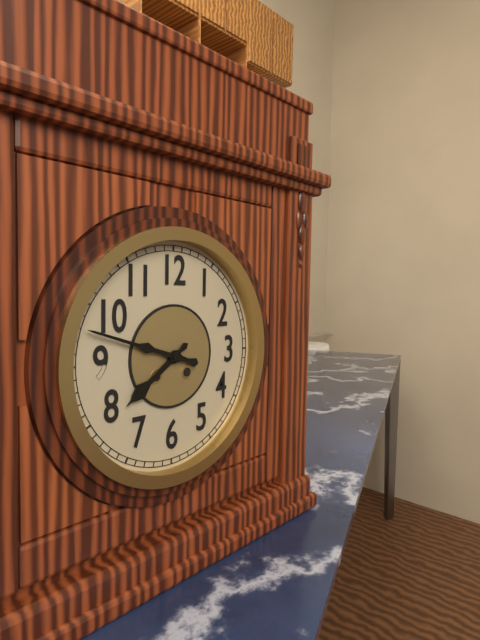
7:48
